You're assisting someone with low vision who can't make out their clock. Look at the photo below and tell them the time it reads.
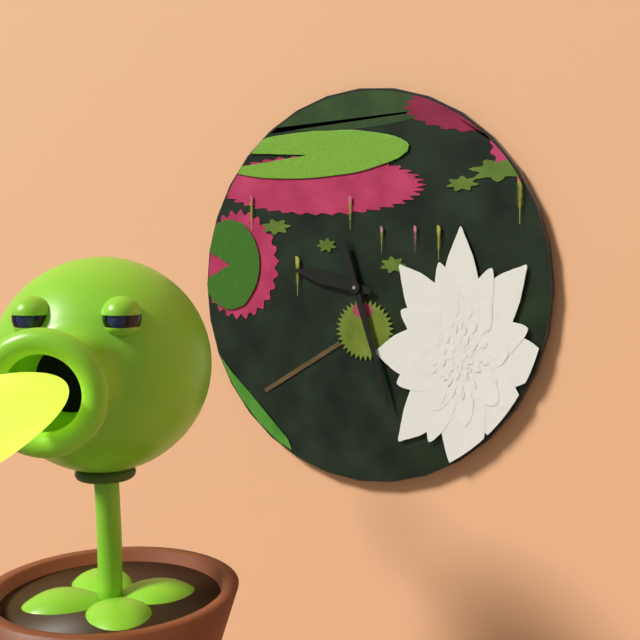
9:27
